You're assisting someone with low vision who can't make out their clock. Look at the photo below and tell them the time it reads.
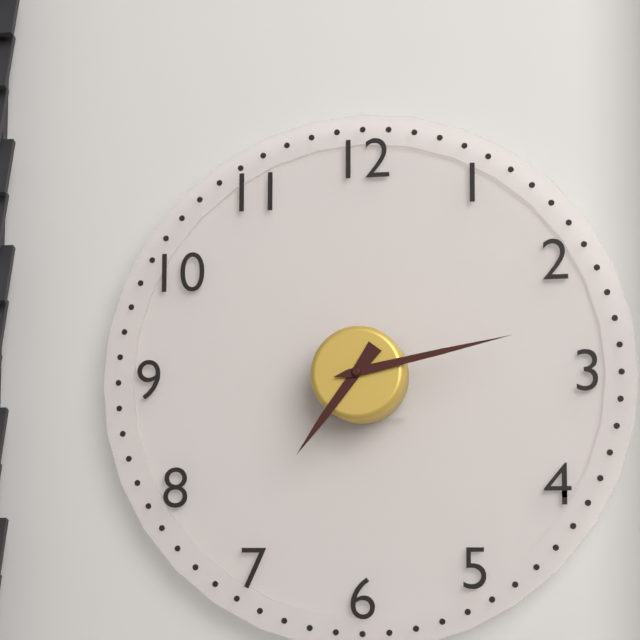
7:13
